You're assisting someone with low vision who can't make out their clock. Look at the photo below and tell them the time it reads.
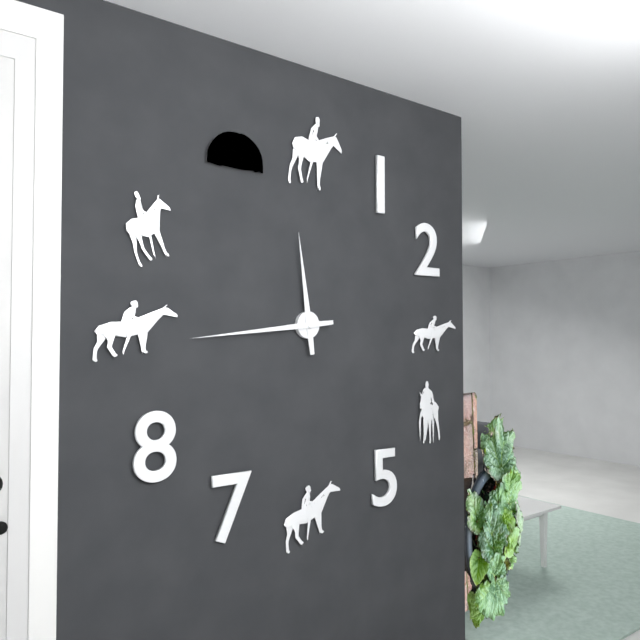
11:44
